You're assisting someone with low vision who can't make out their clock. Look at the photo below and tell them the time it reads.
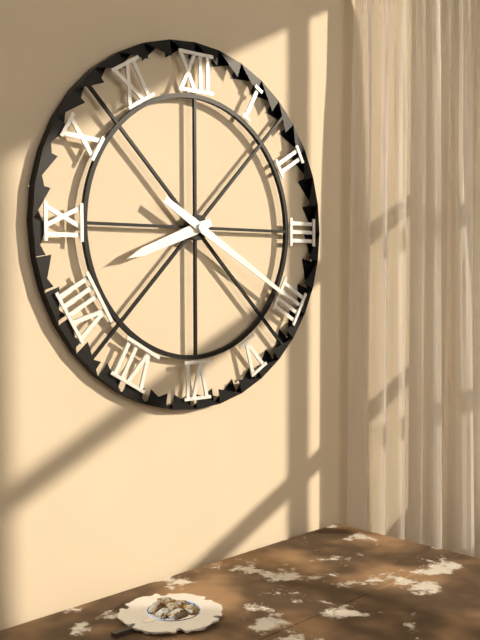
8:20
